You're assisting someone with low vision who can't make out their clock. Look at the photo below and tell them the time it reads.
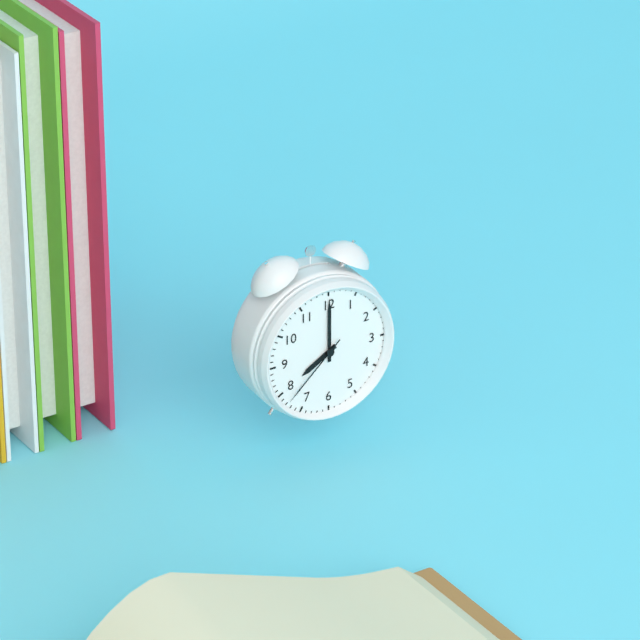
8:00:38
